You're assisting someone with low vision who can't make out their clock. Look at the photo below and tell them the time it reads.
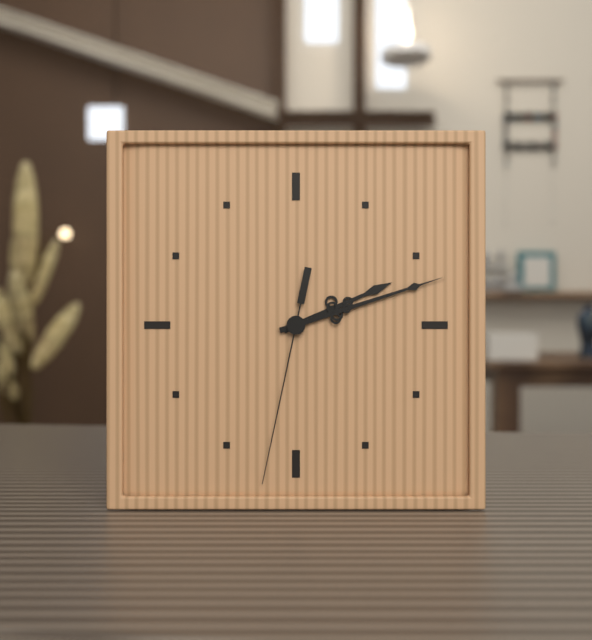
2:12:32
